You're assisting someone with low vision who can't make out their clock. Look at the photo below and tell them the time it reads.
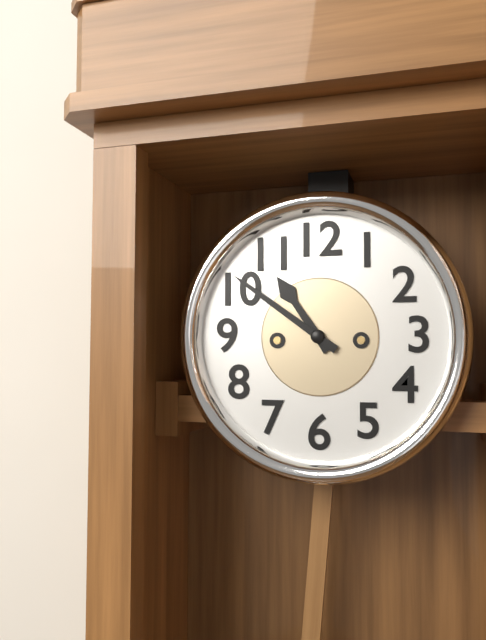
10:51
